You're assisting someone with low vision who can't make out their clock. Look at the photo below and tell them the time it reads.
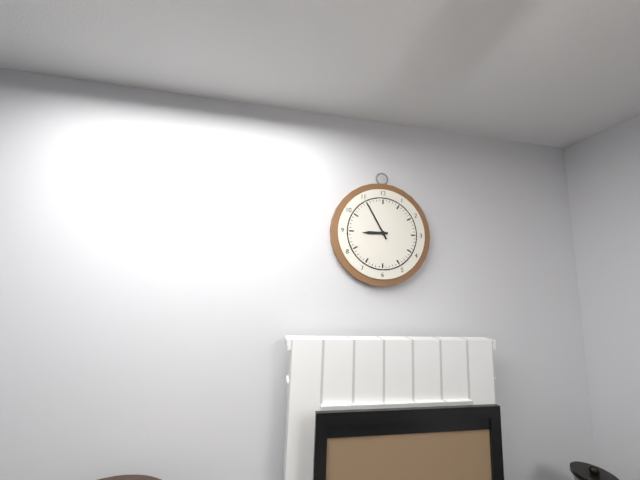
8:55
